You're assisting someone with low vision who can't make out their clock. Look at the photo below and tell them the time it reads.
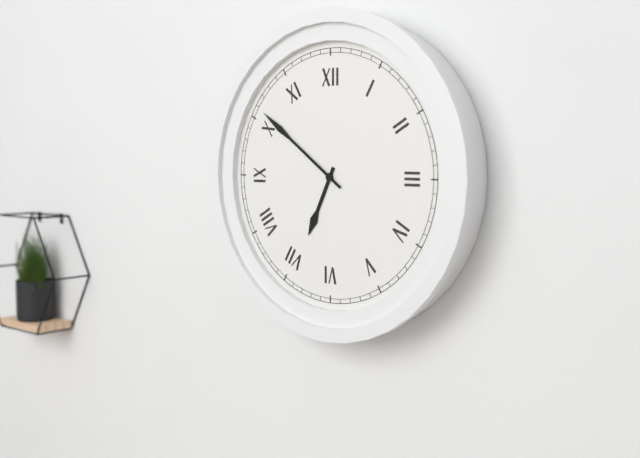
6:51
